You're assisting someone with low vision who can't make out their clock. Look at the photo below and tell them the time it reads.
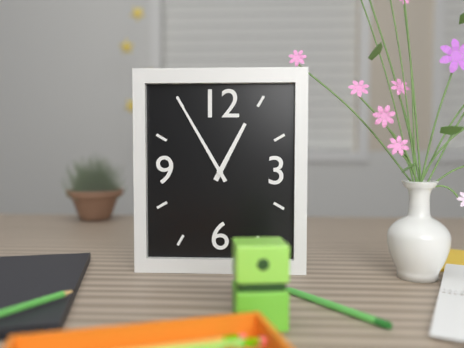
12:55
